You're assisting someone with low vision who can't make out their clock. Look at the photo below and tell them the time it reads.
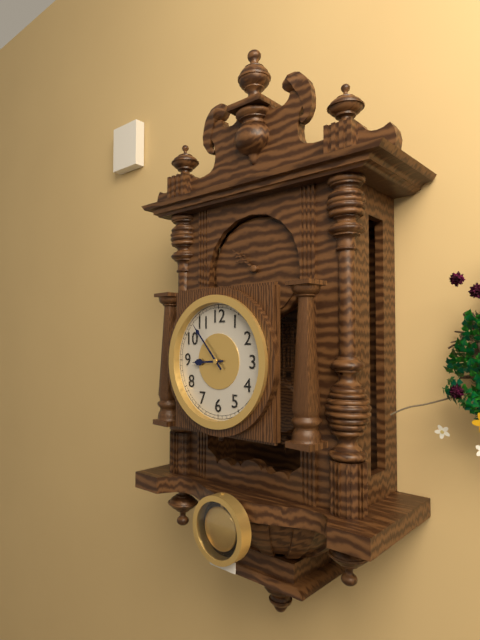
8:53
